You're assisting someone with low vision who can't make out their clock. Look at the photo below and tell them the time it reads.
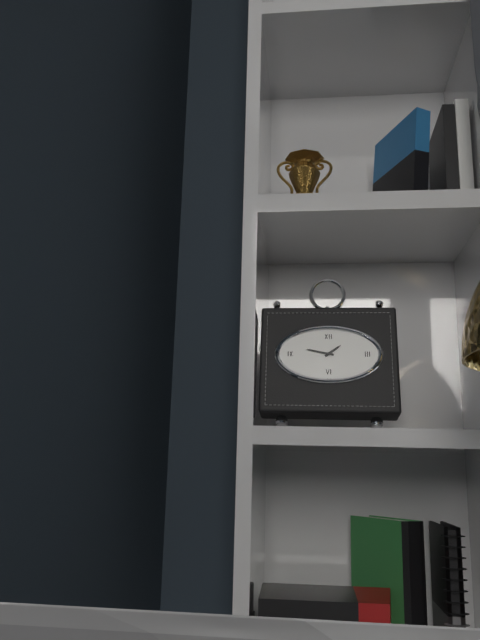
1:47
